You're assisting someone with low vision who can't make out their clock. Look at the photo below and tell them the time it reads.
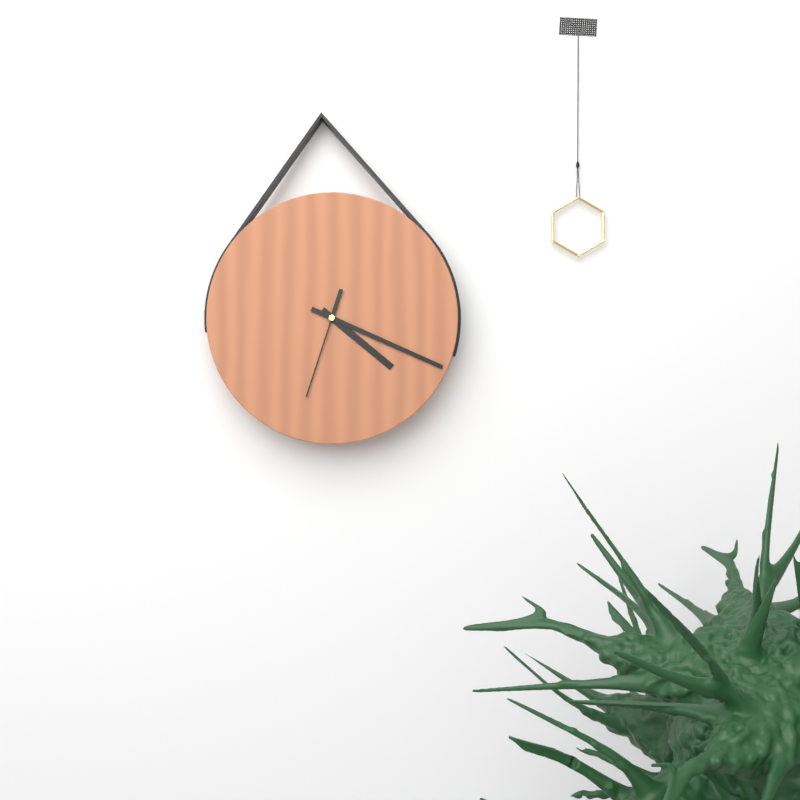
4:19:33
